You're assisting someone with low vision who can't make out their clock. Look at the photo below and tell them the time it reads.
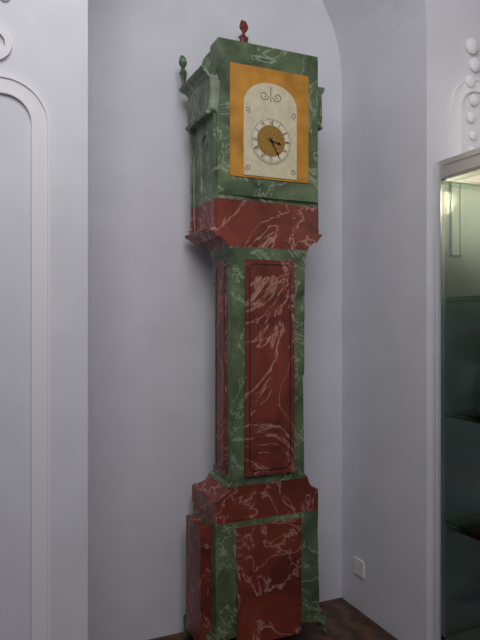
3:25
